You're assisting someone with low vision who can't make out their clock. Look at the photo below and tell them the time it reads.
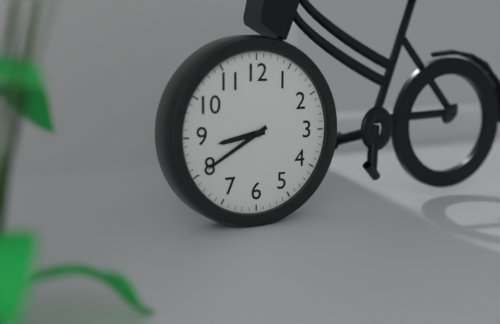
8:40
